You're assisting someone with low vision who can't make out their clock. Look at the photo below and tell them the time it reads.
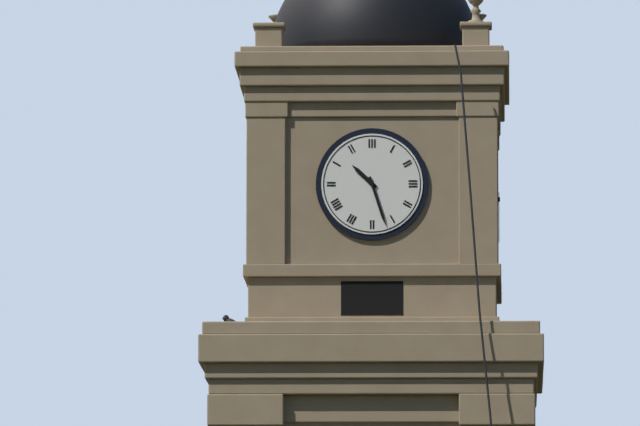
10:27
